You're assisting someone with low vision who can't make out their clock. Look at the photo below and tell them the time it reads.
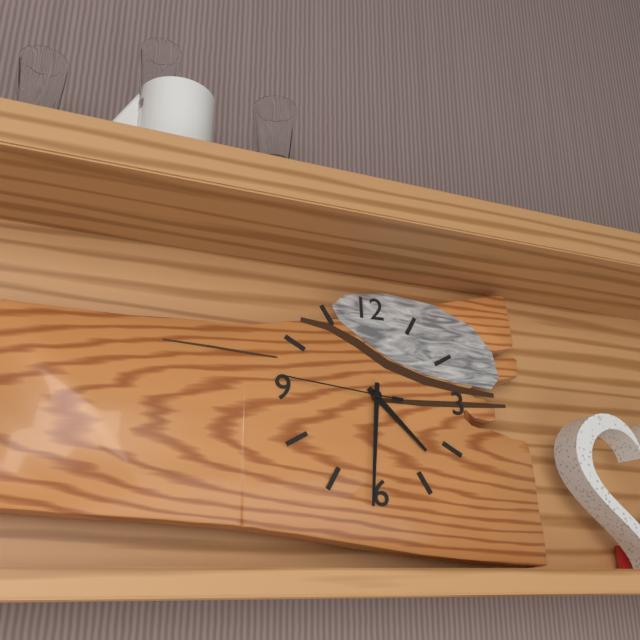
4:31:46
